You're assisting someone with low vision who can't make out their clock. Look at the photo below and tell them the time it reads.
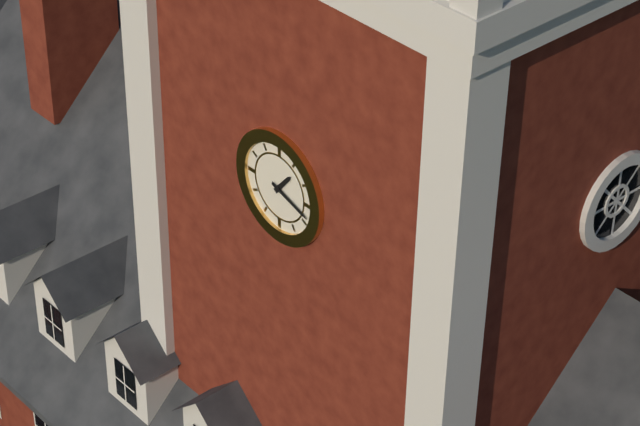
1:18
